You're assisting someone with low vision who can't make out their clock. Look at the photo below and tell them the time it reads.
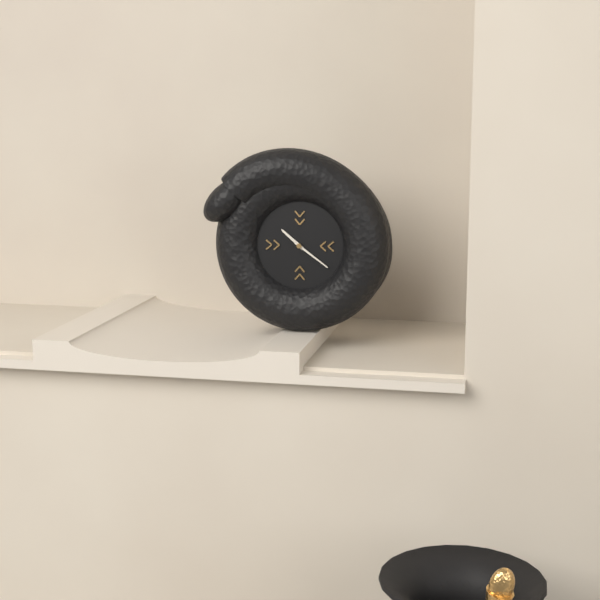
10:21
